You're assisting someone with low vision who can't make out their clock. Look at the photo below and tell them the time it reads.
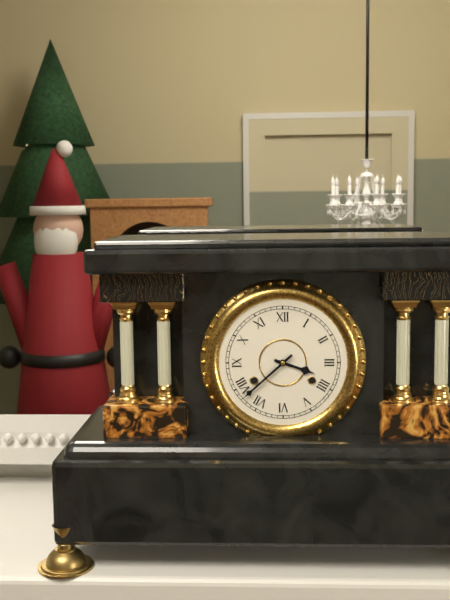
3:38
